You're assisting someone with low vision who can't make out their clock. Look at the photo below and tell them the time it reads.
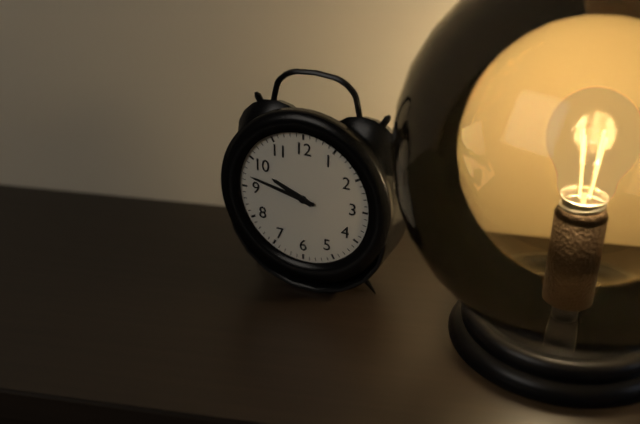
9:47
